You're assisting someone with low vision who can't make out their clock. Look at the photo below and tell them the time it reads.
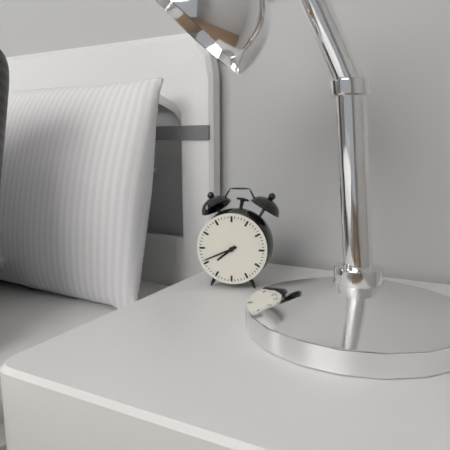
7:41
